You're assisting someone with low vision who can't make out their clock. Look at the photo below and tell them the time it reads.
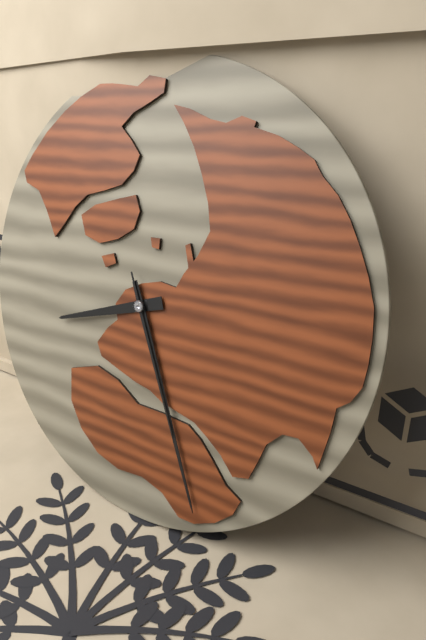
8:26:26
